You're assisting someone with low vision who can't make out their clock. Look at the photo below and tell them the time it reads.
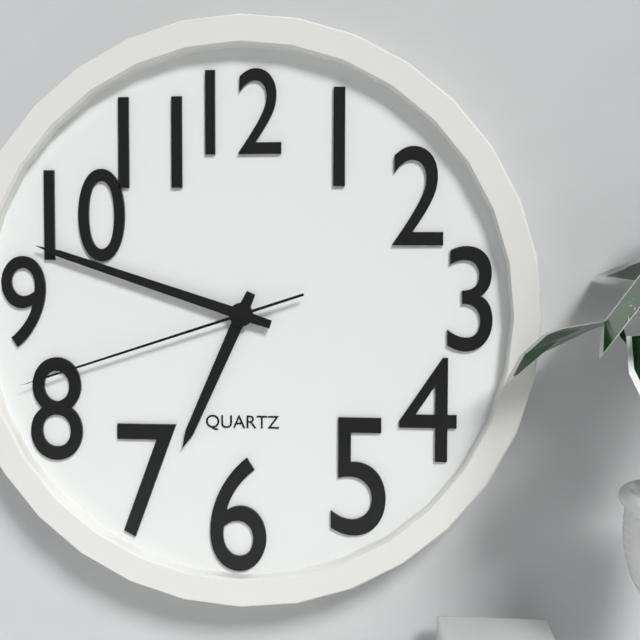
6:48:42
